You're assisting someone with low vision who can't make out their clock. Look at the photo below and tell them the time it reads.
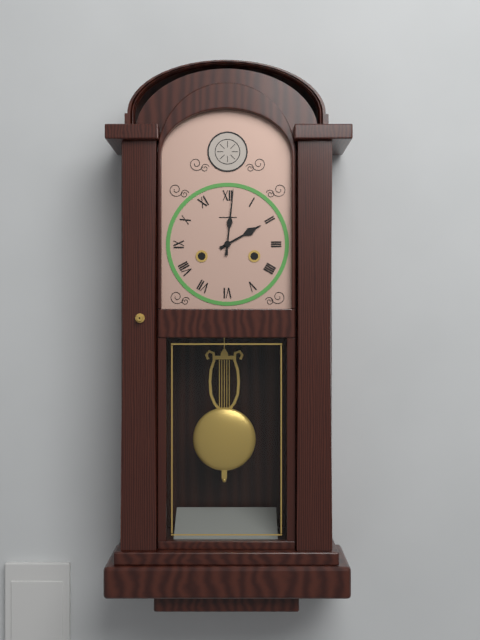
2:01
